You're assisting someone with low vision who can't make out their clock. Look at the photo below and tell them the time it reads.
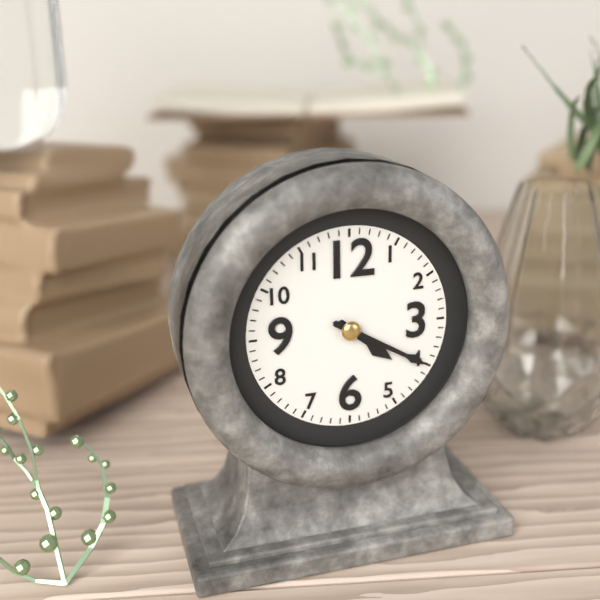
4:20
